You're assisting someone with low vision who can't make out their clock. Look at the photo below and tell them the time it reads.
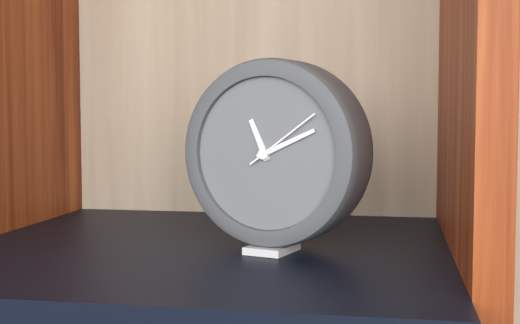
11:11:09
